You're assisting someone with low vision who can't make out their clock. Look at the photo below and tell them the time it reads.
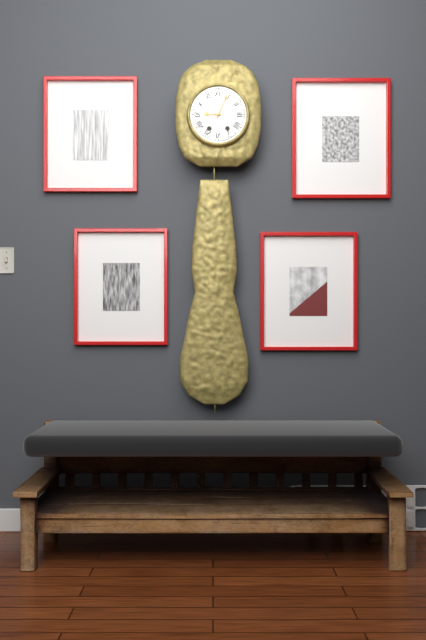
9:04
